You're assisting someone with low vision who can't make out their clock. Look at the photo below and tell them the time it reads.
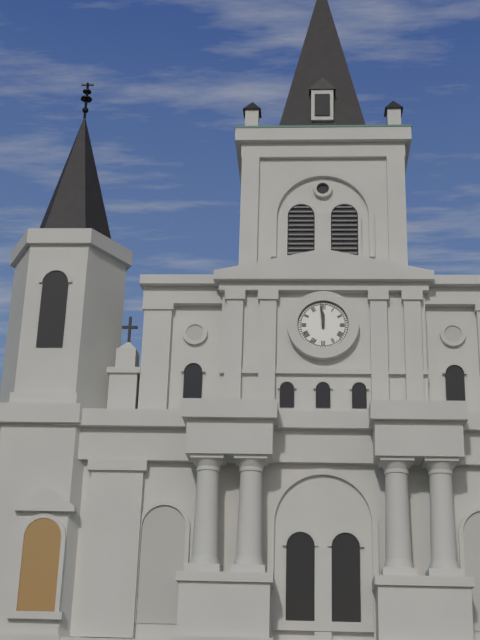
11:59
